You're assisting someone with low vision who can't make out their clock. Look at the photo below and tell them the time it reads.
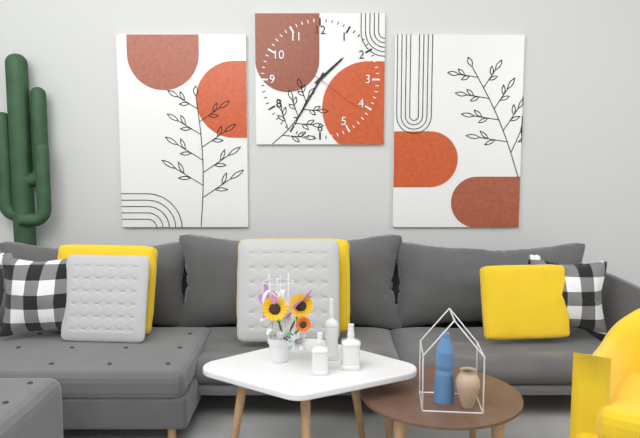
1:35:21
